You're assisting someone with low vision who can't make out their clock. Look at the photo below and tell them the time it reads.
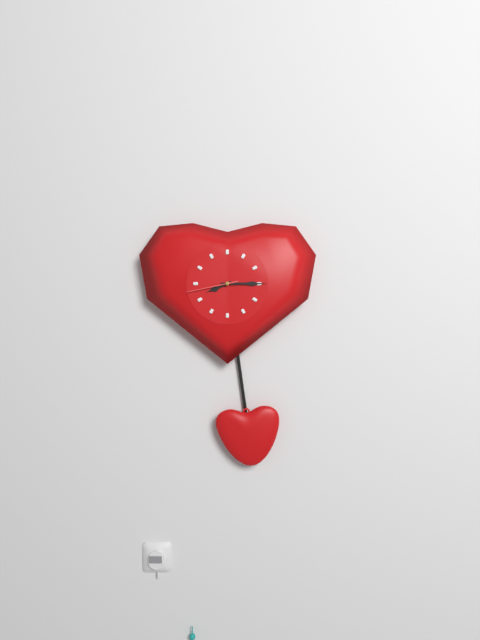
8:15:43
